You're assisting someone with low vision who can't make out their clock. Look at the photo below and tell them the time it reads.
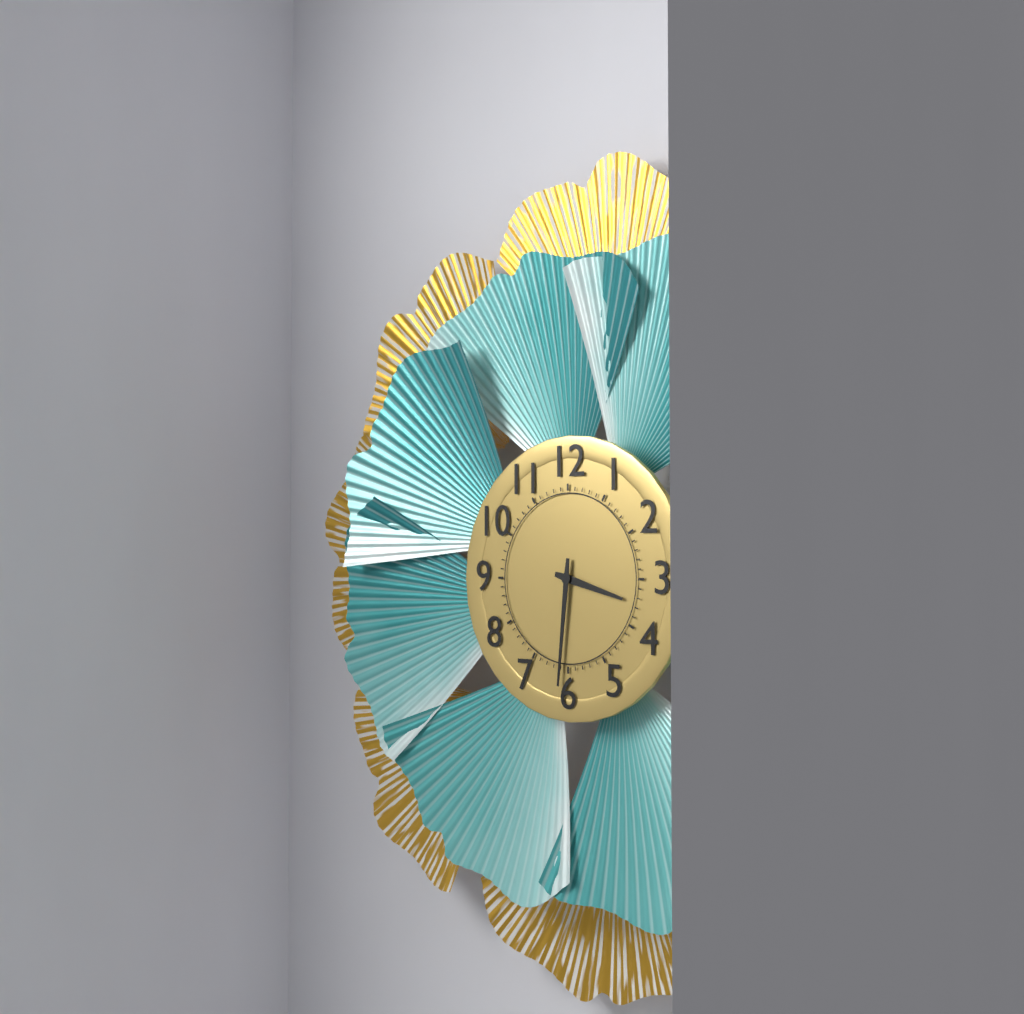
3:31
